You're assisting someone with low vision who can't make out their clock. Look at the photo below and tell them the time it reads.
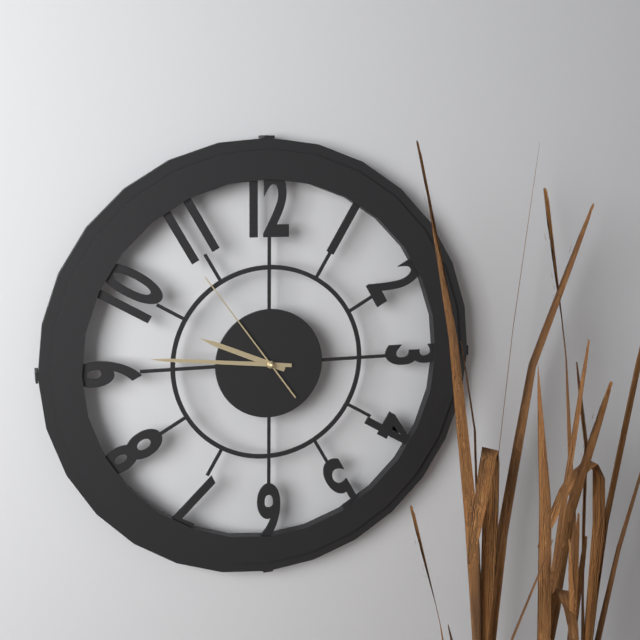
9:46:54
